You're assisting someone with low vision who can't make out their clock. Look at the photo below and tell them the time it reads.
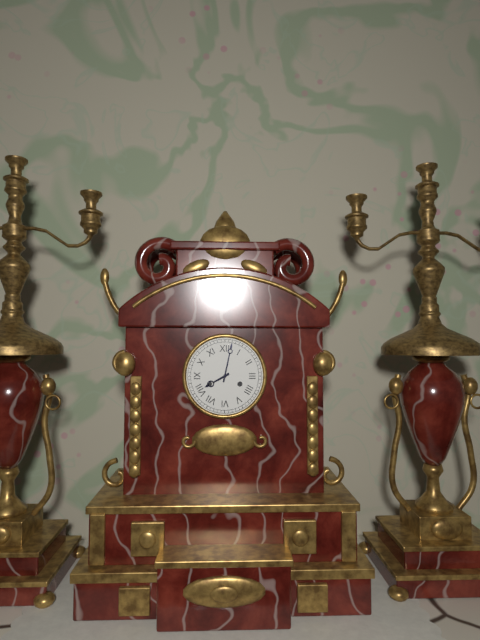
8:02
